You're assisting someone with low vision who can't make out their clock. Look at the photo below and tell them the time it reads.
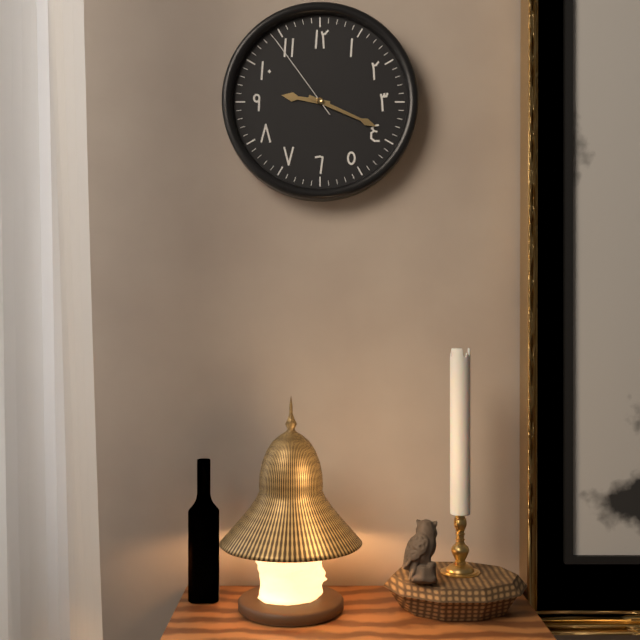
9:19:54
